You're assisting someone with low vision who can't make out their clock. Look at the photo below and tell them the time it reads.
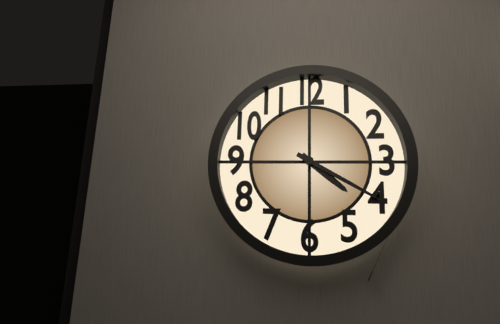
4:20
